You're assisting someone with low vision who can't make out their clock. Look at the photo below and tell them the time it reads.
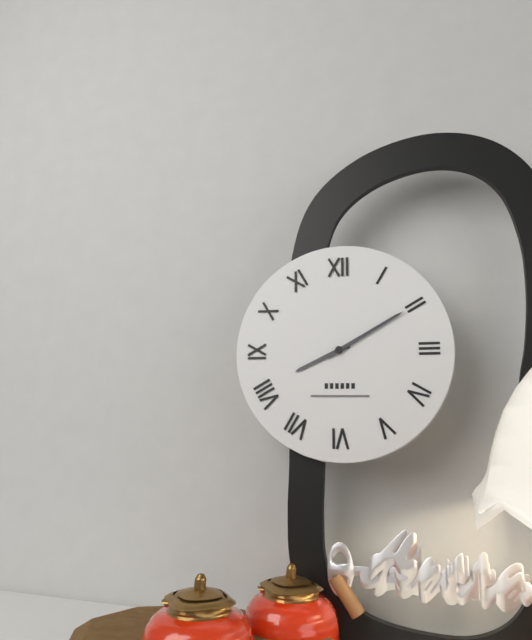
8:10
